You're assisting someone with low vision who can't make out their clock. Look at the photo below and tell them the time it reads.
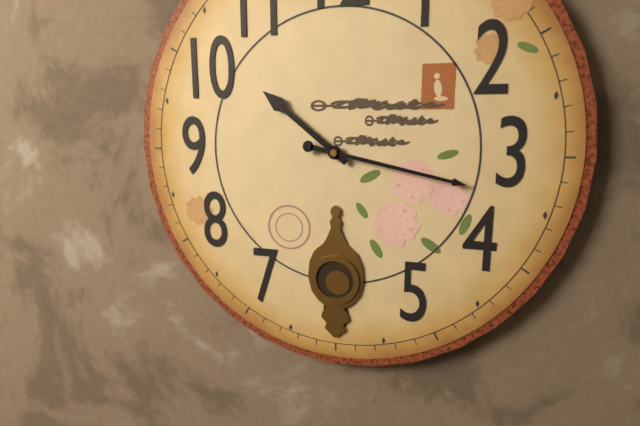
10:17
